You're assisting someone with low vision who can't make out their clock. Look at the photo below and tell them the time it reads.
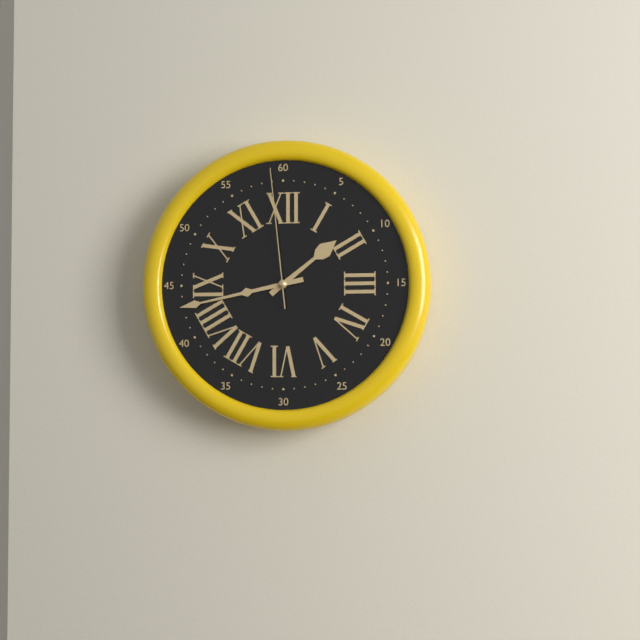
1:43:59
